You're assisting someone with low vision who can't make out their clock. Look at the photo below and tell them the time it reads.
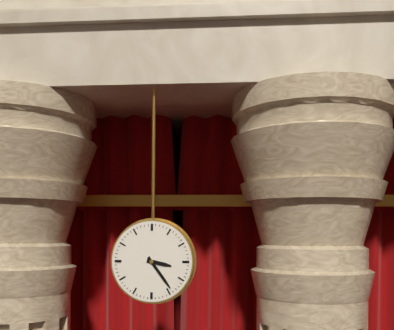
3:24
